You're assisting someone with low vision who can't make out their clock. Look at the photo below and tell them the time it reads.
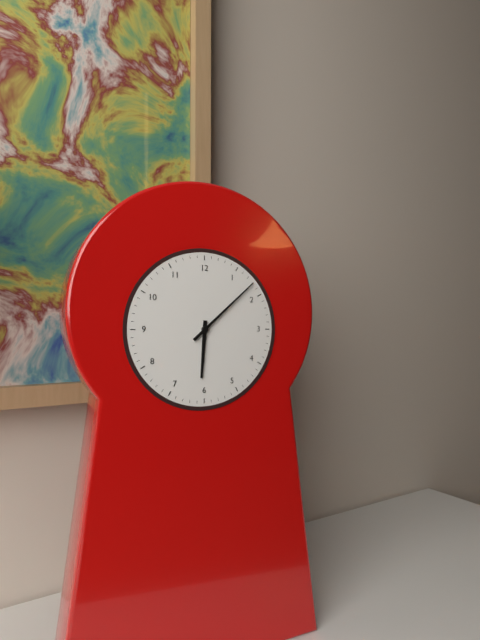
6:08
